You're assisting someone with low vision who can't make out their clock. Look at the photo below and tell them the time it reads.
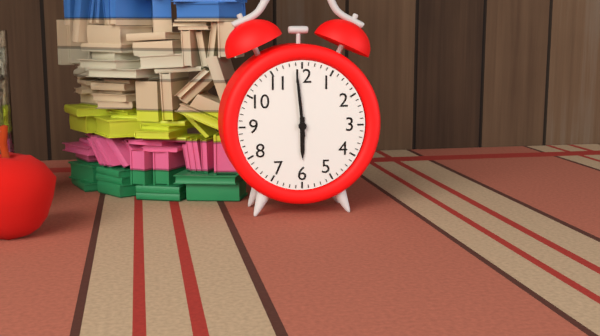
5:59
